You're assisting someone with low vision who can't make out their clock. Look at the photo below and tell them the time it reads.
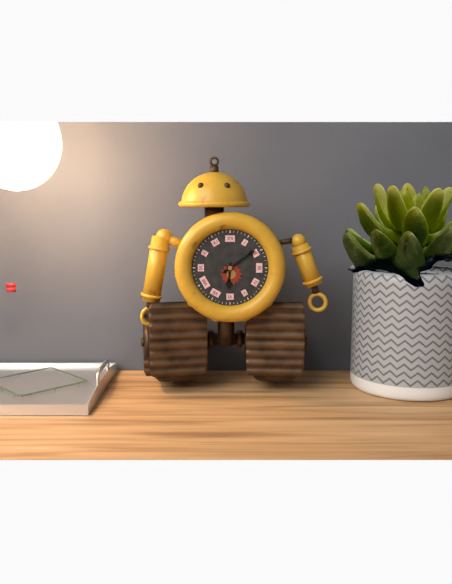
6:09
